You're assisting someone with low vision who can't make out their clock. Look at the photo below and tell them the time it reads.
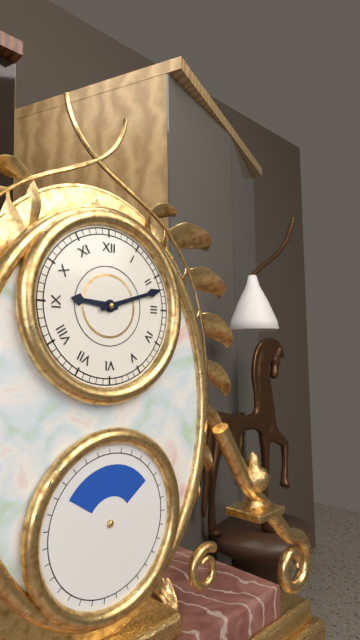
9:12
